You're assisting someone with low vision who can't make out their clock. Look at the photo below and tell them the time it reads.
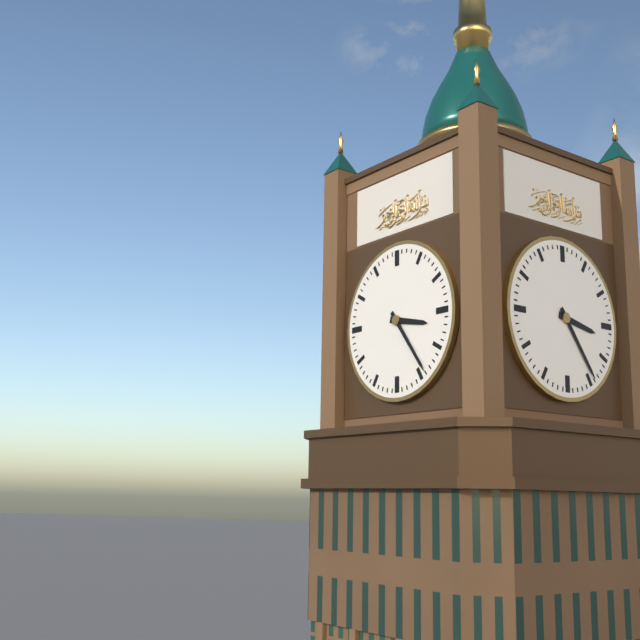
3:24
